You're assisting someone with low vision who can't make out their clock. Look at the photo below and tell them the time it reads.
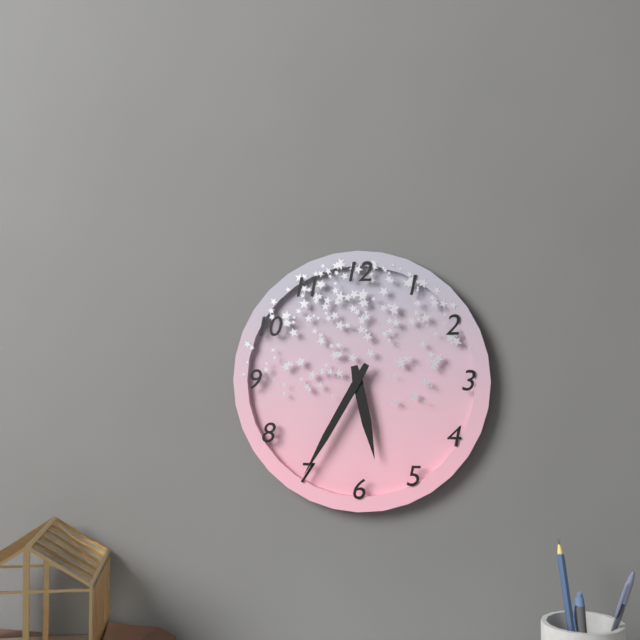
5:35
